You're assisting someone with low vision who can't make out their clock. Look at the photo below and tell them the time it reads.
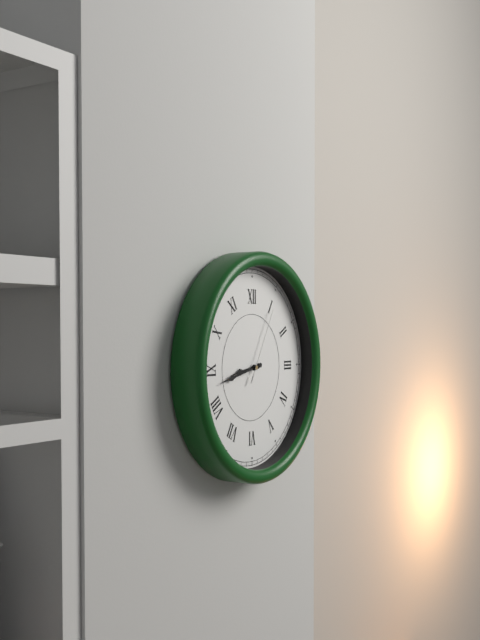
8:43:05
